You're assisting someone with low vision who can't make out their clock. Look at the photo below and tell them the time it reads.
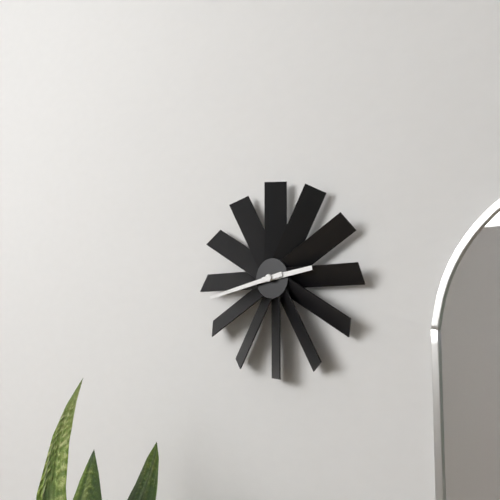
2:43
